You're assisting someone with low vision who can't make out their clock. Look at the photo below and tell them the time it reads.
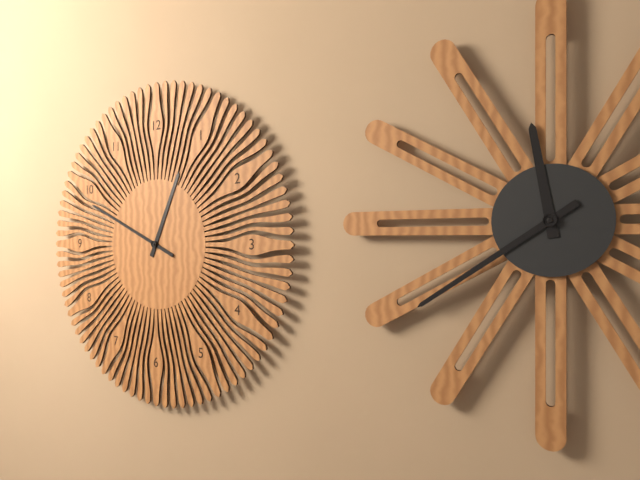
12:49
